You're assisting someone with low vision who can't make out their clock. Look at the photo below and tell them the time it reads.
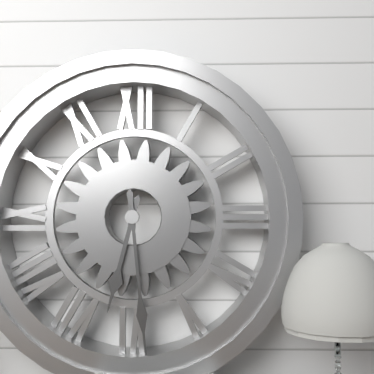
6:29
